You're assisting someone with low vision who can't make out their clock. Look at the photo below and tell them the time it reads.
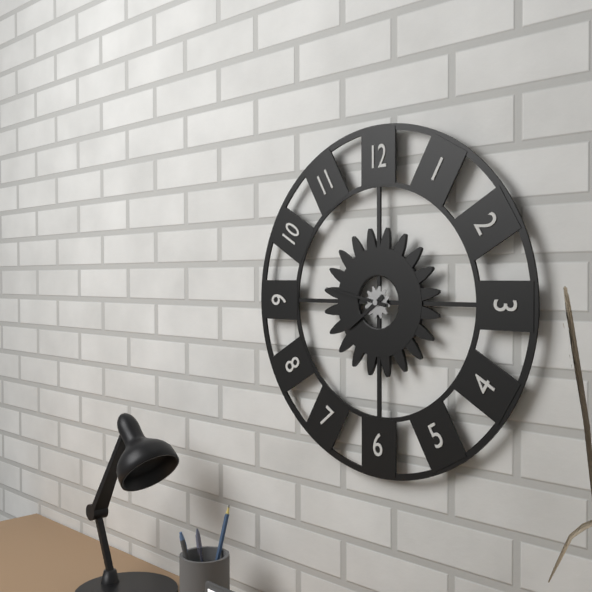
7:47
